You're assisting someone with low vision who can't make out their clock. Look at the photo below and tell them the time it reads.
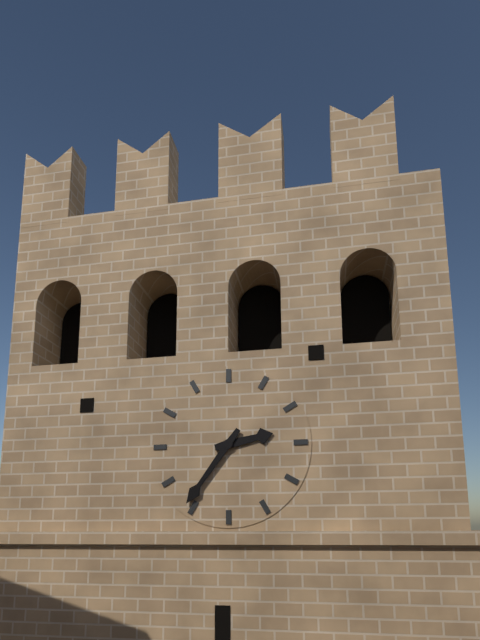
2:36
